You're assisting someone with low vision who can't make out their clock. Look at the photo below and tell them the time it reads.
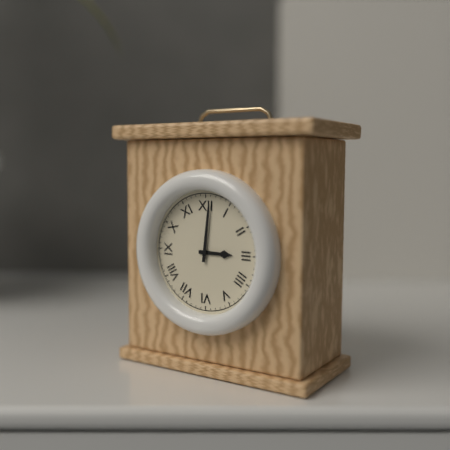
3:01
